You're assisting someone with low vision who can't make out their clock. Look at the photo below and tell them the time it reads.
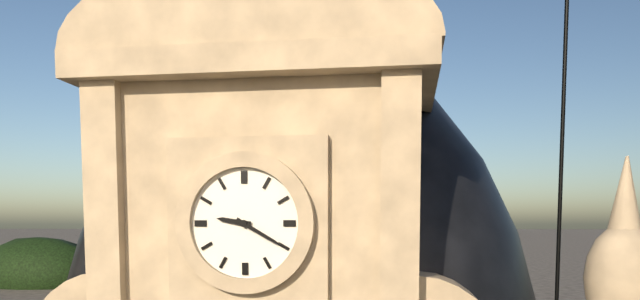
9:20
